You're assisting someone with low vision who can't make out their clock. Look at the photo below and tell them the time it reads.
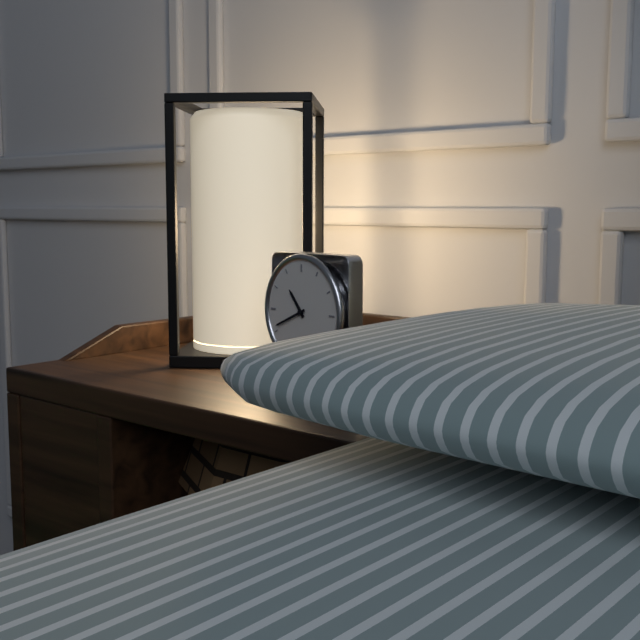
10:41
